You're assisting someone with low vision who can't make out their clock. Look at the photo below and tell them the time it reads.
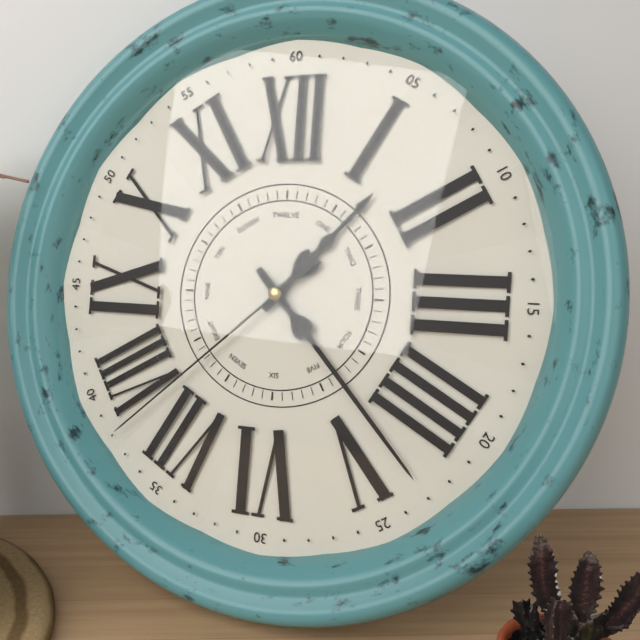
1:23:38
